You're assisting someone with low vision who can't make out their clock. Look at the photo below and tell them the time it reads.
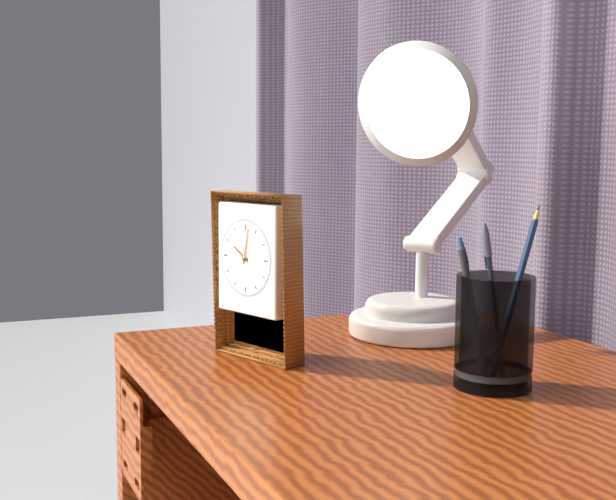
10:02
